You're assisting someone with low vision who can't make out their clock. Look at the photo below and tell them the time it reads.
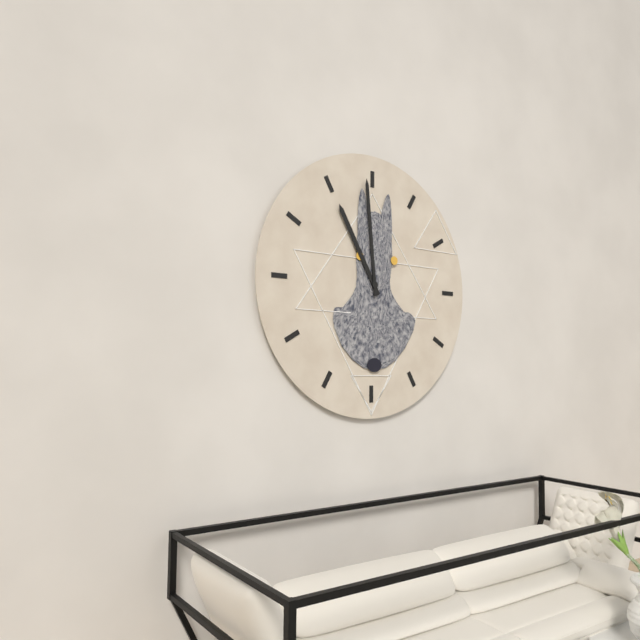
10:59
